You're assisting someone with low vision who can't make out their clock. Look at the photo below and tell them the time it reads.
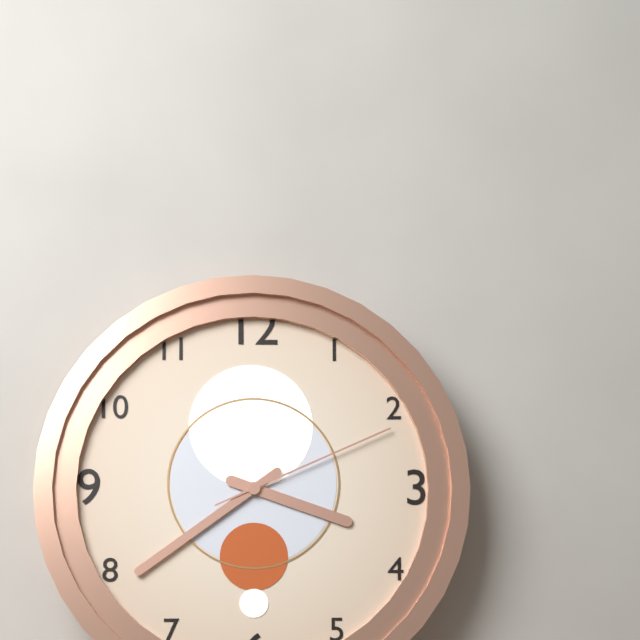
3:39:11
